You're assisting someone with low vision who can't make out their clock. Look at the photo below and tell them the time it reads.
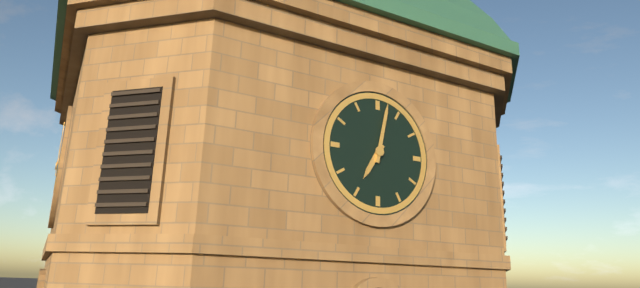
7:02
